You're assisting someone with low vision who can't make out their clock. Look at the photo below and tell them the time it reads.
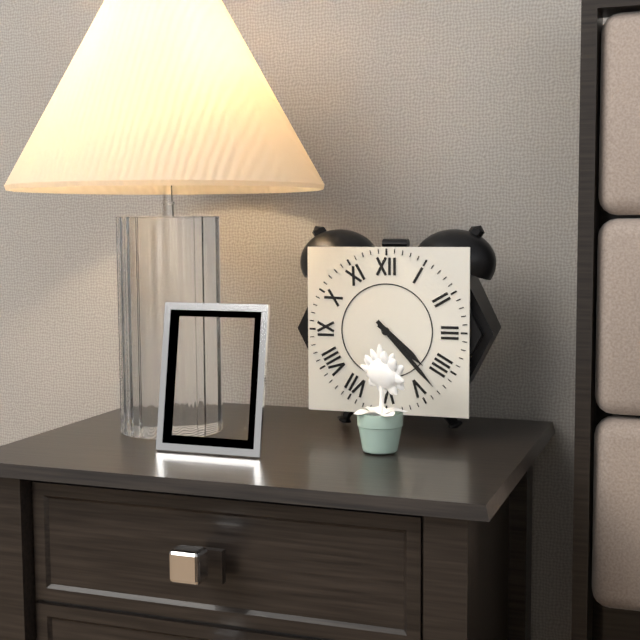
4:23
